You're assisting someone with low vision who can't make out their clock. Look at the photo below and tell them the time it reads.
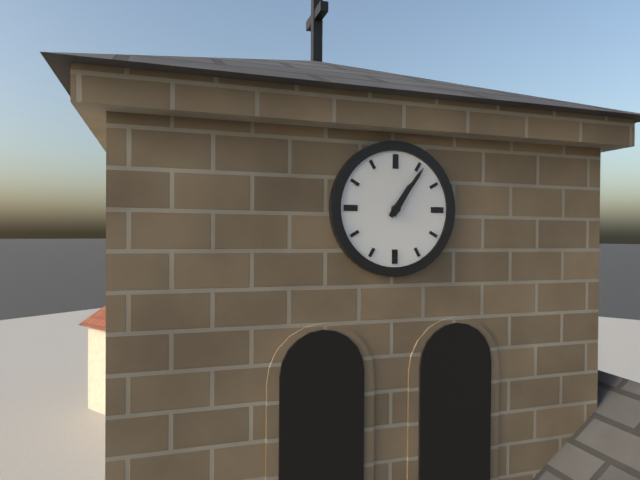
1:06
